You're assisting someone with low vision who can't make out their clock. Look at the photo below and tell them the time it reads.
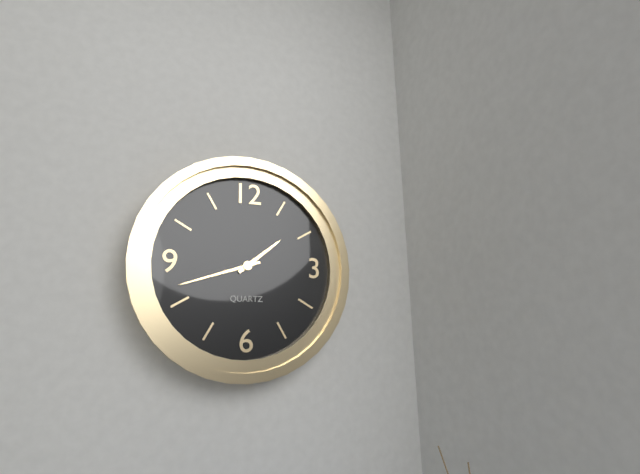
1:42
